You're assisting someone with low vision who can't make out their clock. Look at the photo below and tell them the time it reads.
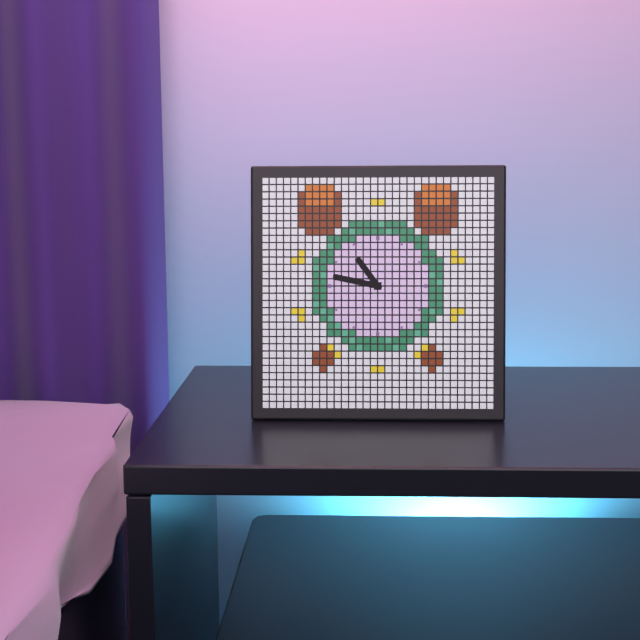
10:47
